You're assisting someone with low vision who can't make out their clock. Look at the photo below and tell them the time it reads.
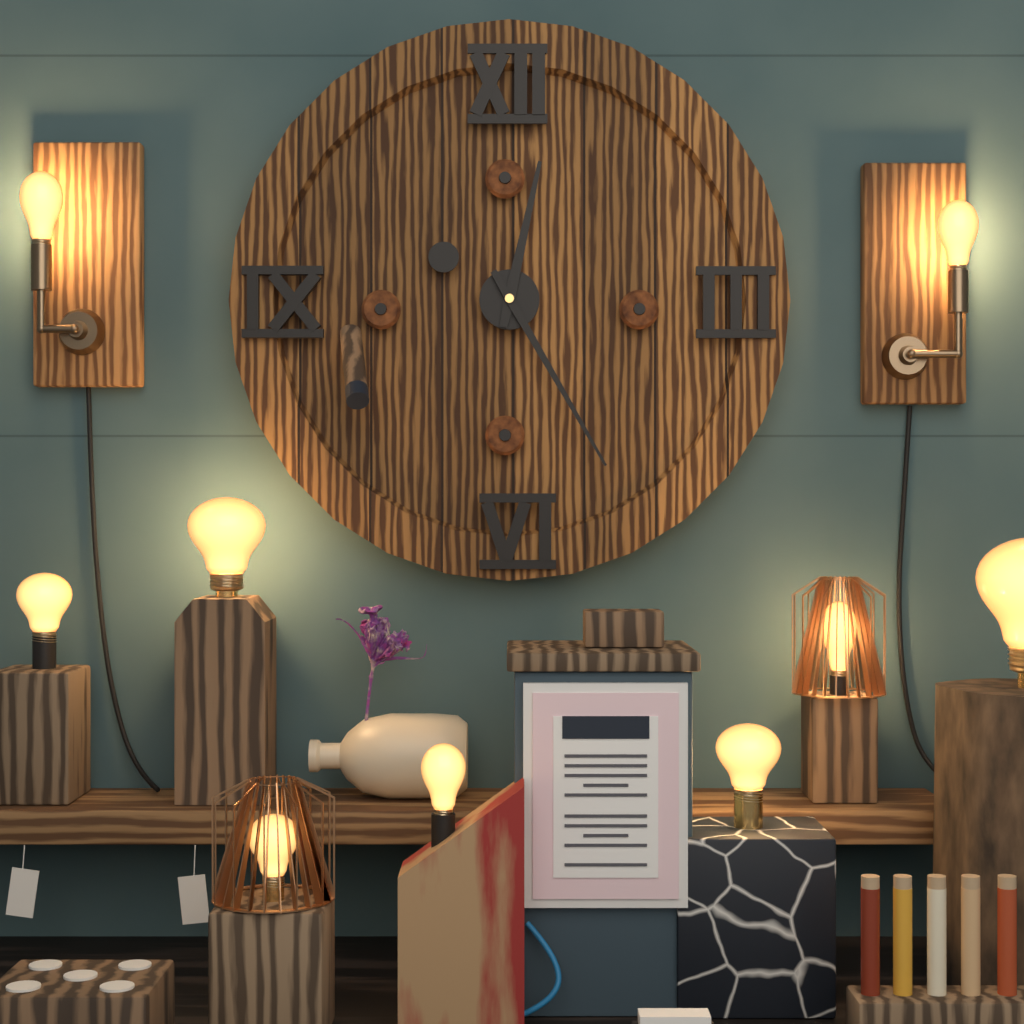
12:25
